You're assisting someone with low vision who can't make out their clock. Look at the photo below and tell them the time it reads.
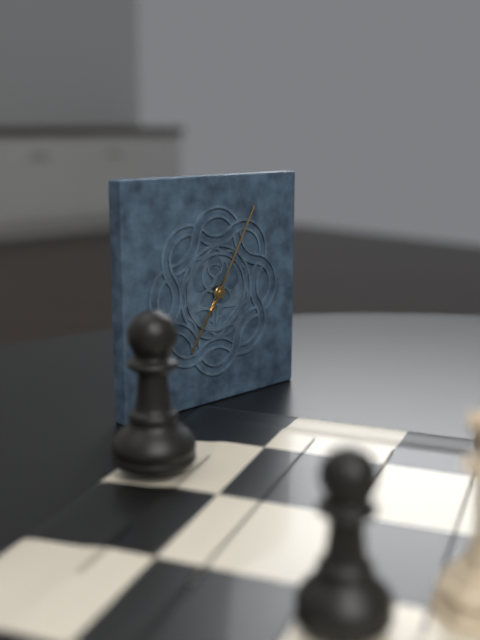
7:05
